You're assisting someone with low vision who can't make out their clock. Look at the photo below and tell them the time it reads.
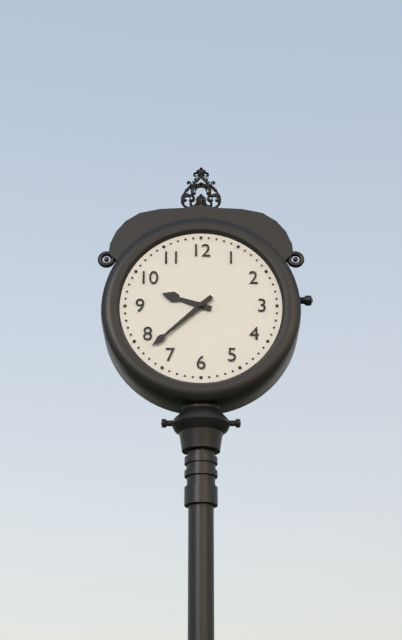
9:38
